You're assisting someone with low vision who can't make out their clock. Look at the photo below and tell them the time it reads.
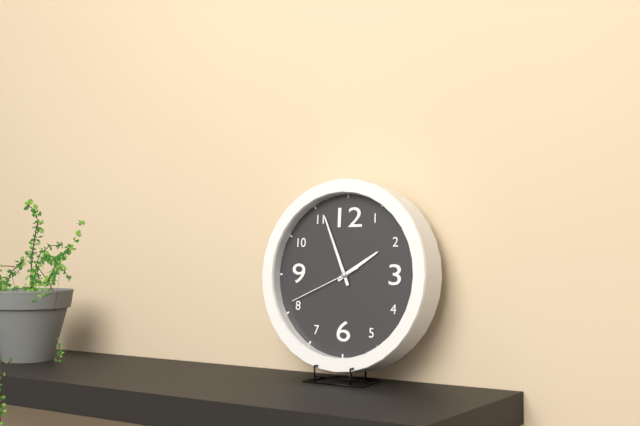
1:56:41
